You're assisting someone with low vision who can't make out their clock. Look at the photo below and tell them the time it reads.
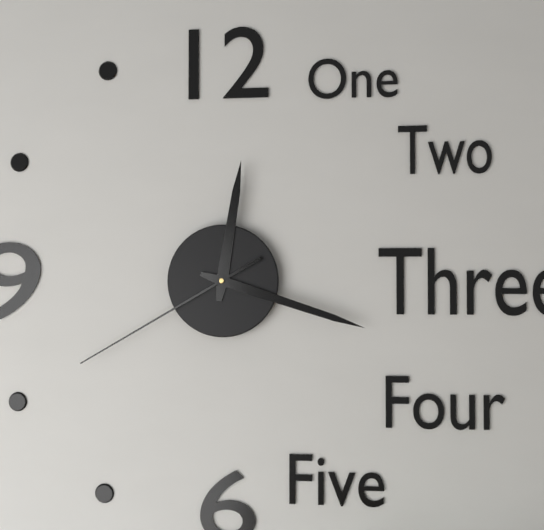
12:18:40
